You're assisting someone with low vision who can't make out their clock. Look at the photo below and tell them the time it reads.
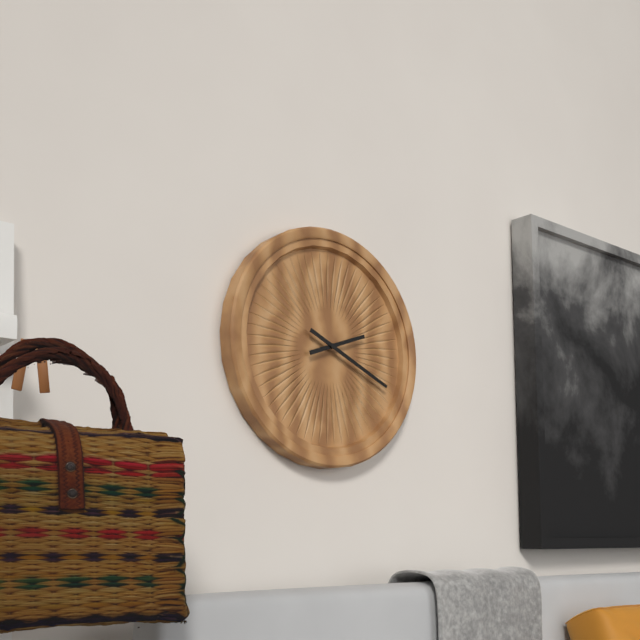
2:19
